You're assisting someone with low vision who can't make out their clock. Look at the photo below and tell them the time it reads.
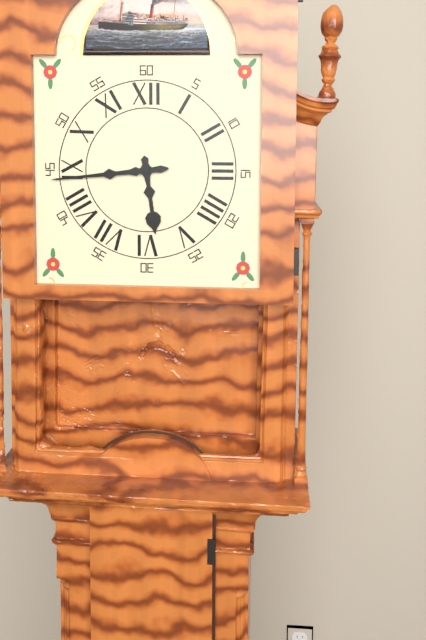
5:44
